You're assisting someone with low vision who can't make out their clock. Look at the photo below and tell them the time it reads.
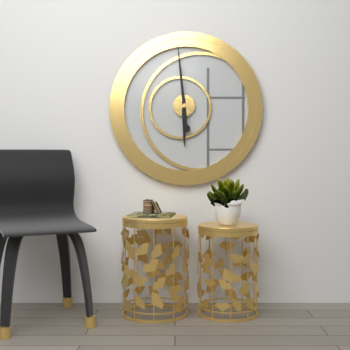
5:59
